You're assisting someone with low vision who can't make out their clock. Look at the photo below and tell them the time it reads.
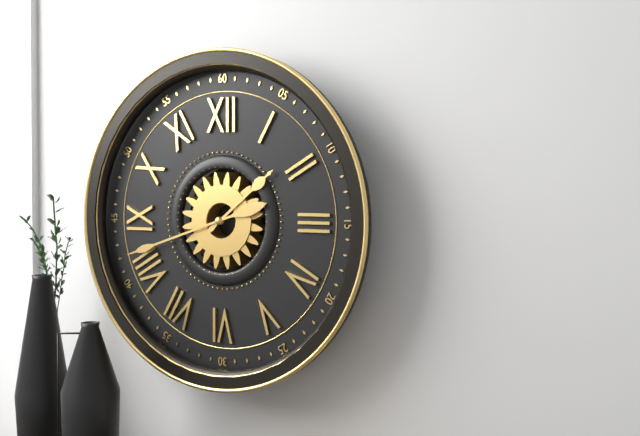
1:42
